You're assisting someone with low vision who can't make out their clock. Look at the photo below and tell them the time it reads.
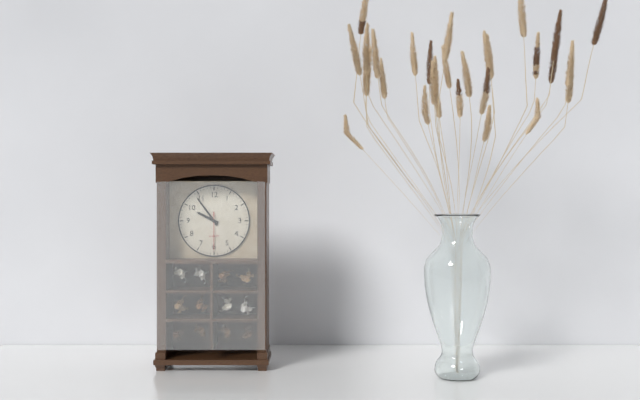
9:54
